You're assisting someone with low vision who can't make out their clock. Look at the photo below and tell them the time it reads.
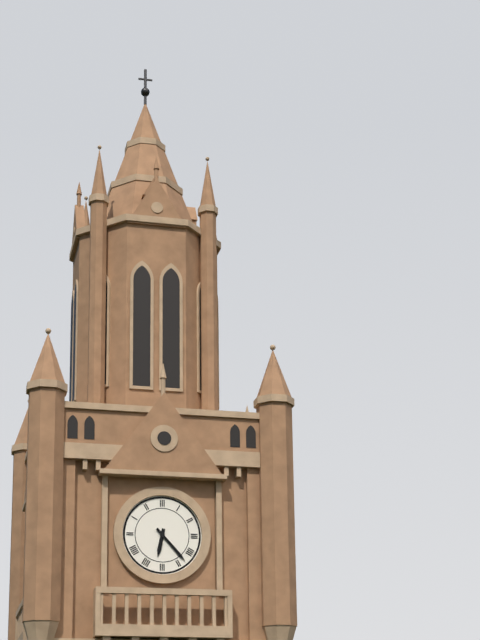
6:23
